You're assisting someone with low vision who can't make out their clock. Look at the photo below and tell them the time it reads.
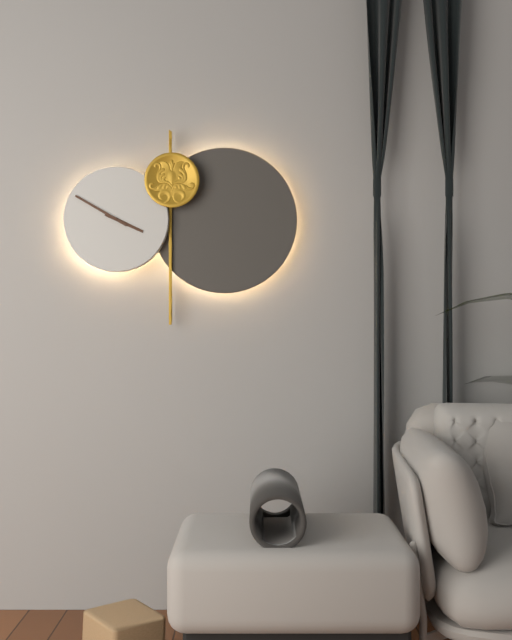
3:50
